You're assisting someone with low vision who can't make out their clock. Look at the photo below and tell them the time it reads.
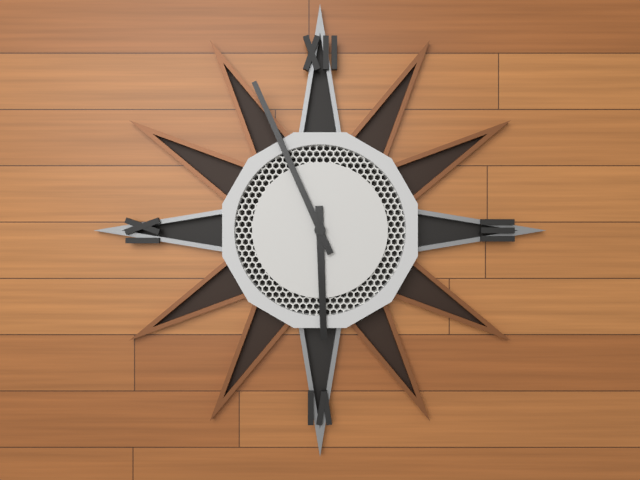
5:56
